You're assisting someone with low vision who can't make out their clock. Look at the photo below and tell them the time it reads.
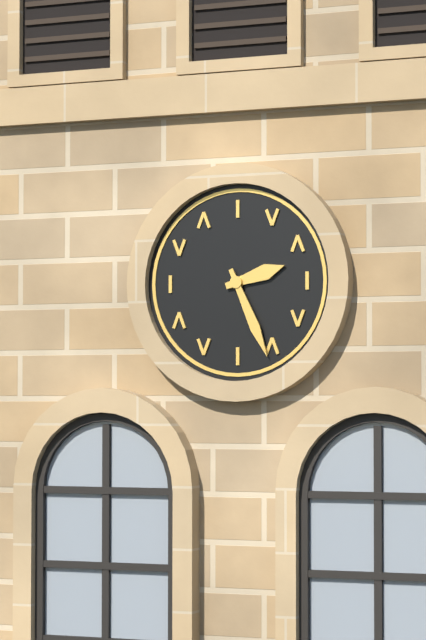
2:26
